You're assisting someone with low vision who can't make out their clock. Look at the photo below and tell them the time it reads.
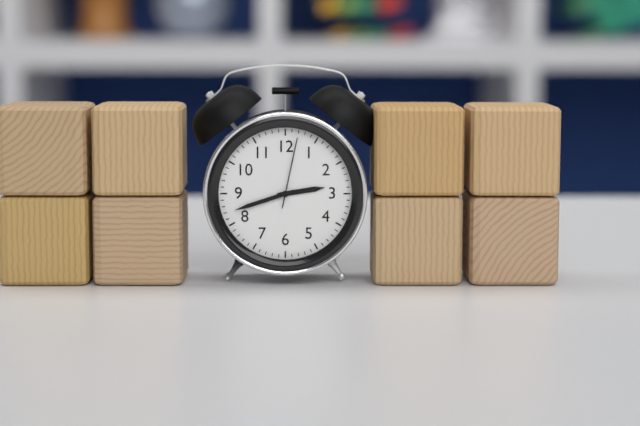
2:42:02
